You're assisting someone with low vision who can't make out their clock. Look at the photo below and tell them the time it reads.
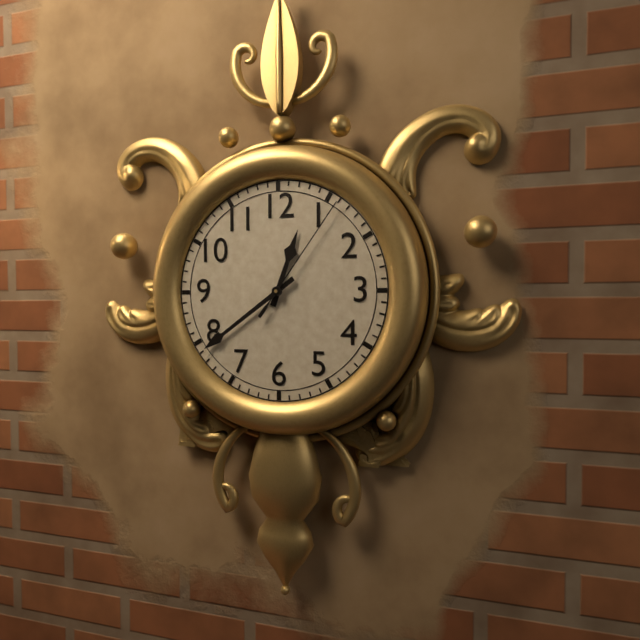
12:39:06
